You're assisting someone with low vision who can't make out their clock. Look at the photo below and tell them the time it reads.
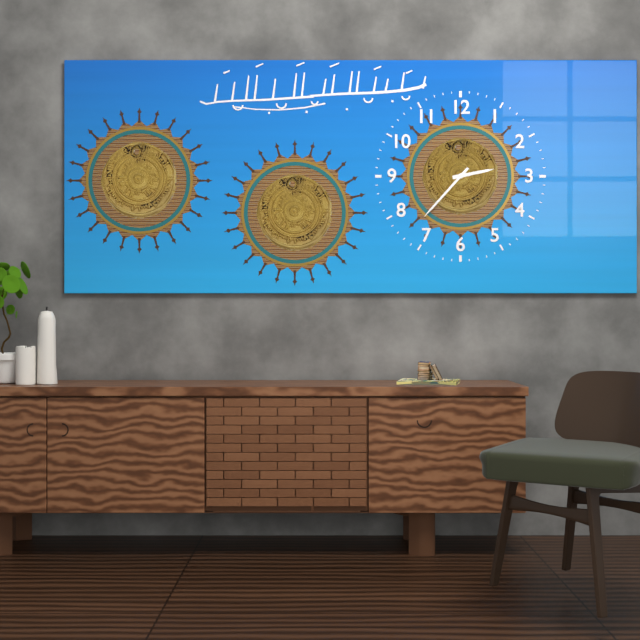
2:37
